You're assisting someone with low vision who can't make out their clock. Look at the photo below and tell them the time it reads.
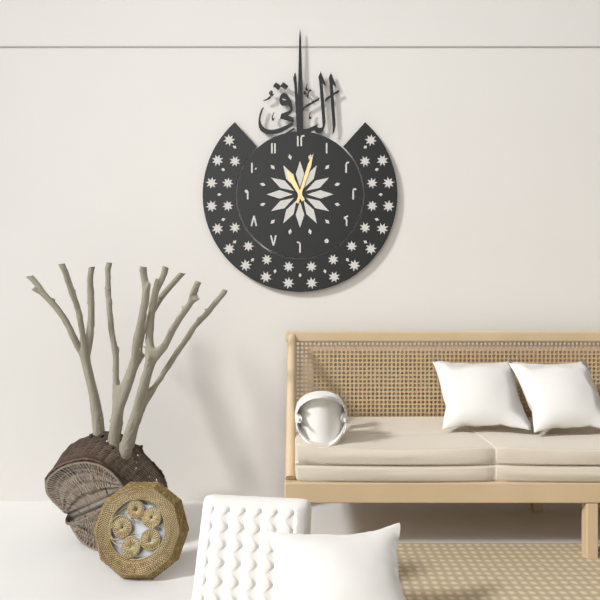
11:03
